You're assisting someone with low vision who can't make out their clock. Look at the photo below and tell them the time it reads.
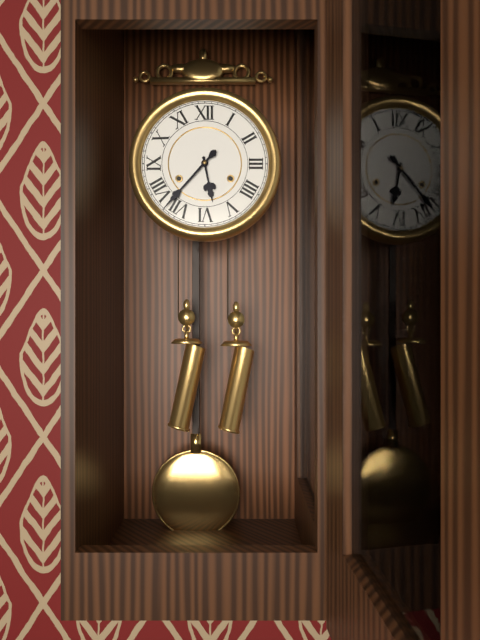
5:37
